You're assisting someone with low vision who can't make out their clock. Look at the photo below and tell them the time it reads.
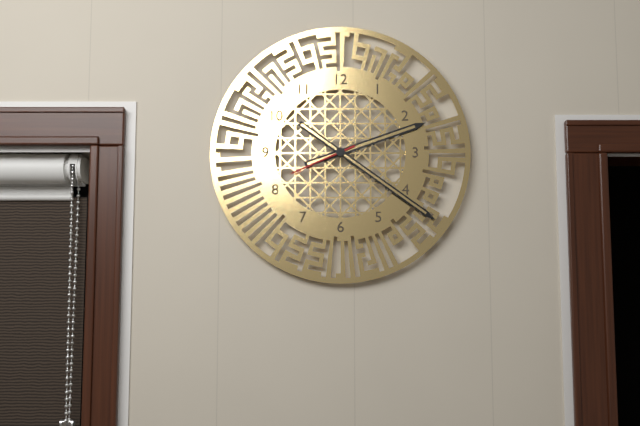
2:21:41
